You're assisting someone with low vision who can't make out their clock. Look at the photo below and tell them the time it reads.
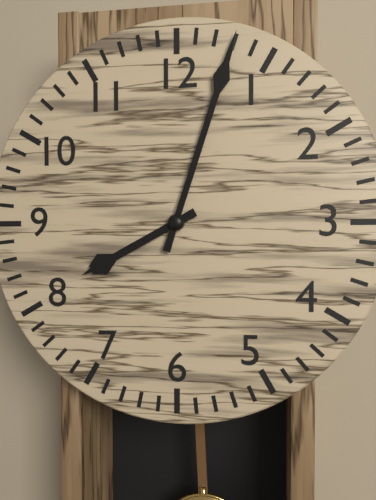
8:03
